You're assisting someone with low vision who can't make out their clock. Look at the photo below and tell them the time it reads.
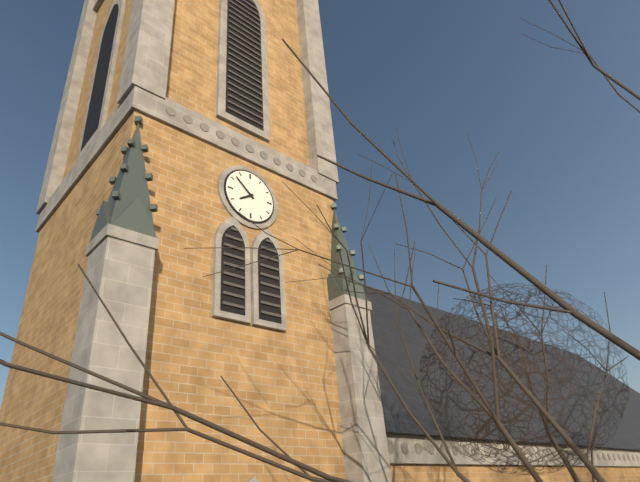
7:52
